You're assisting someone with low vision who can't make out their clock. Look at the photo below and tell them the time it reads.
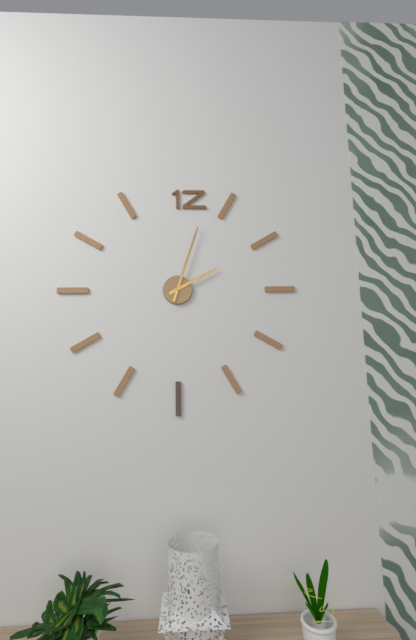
2:03
